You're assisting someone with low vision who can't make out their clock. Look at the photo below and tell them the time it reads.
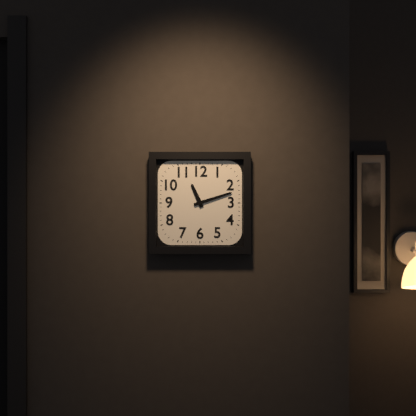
11:12
